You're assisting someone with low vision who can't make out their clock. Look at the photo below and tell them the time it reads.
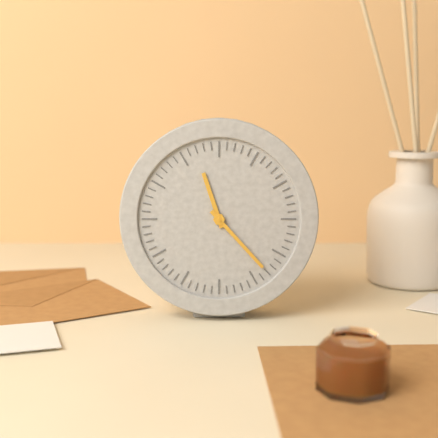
11:23
